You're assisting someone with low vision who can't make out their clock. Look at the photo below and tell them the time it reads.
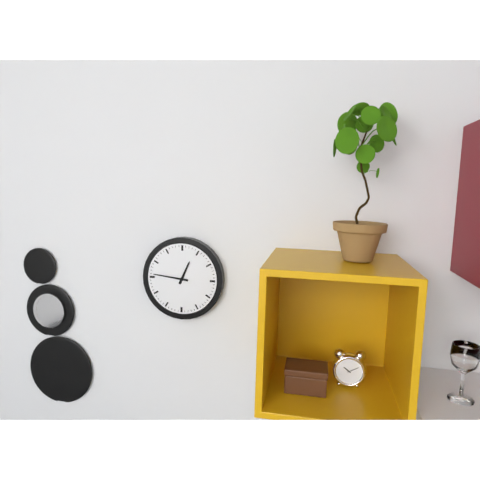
12:46
